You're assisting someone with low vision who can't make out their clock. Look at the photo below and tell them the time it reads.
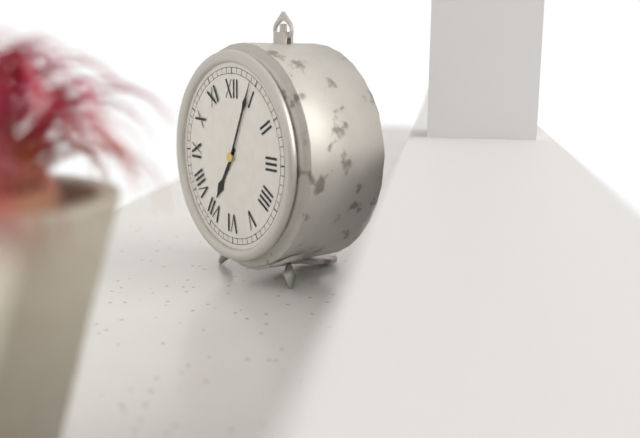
7:04
